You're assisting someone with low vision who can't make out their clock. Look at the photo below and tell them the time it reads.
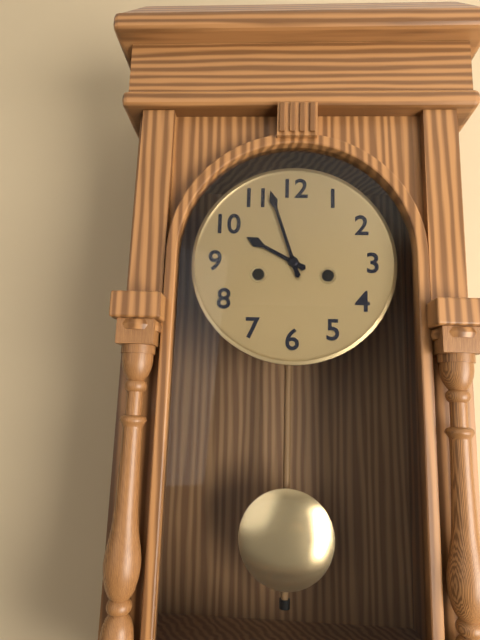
9:57
